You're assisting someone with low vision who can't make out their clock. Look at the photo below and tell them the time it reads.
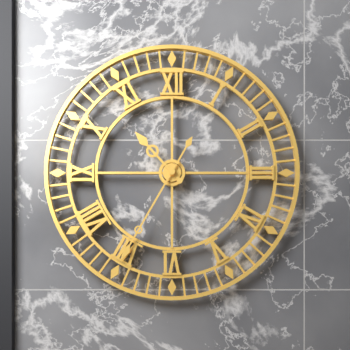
10:35
